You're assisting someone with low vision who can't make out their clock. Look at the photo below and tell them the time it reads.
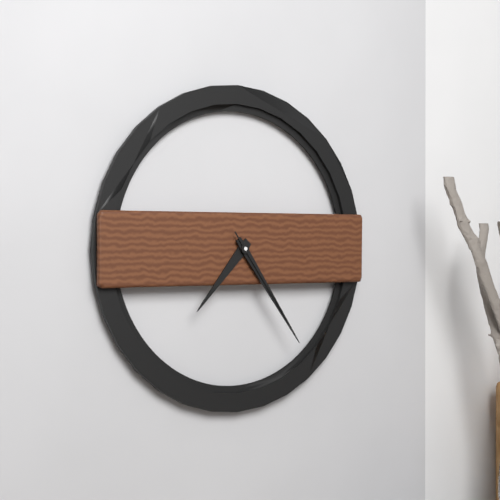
7:24:24
